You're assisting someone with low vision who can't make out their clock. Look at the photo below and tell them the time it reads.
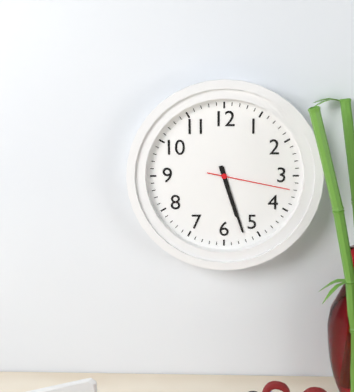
5:27:17
